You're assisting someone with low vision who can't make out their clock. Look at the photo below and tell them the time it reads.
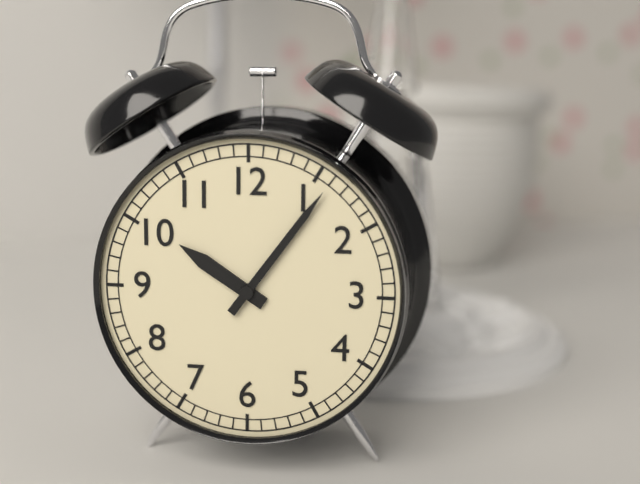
10:06
